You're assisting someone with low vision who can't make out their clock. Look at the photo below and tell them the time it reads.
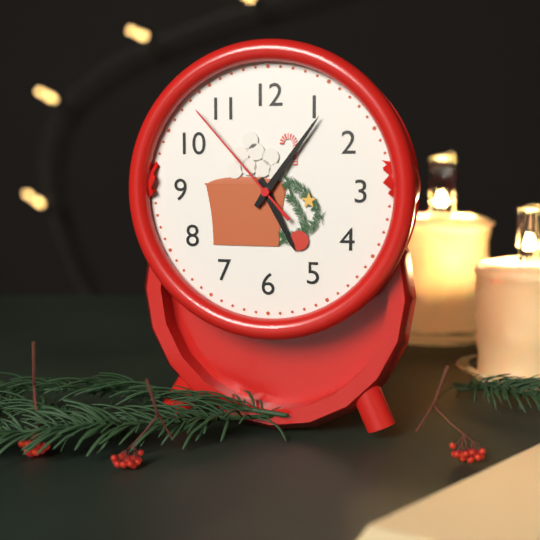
5:06:53
